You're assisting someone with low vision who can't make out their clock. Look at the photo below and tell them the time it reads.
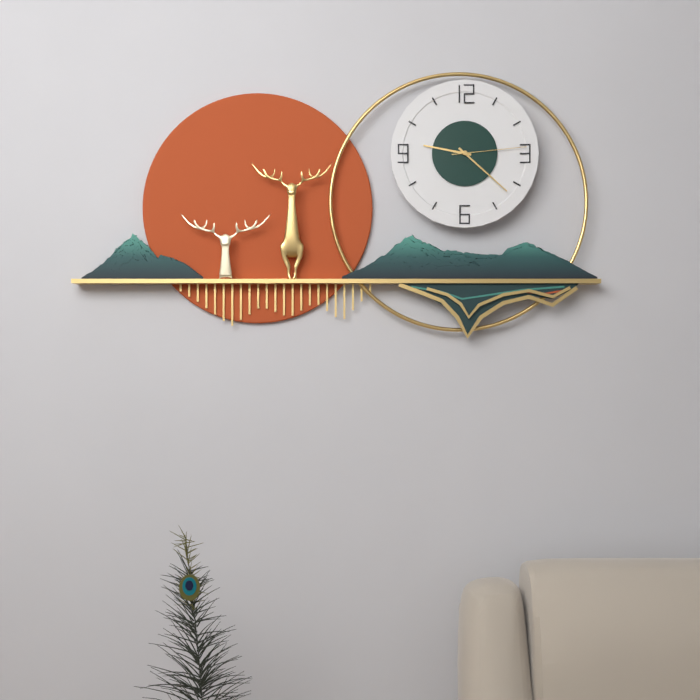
9:22:14
